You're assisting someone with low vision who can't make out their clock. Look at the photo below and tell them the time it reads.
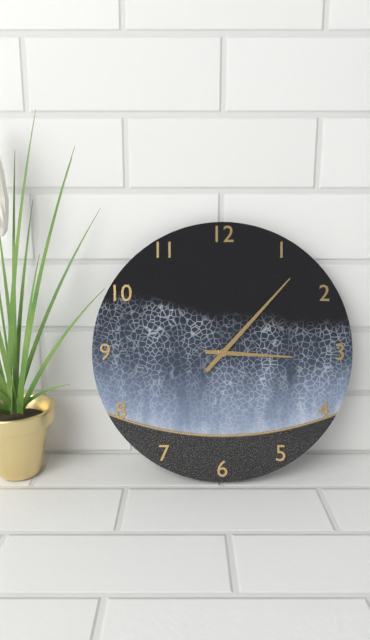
3:07
